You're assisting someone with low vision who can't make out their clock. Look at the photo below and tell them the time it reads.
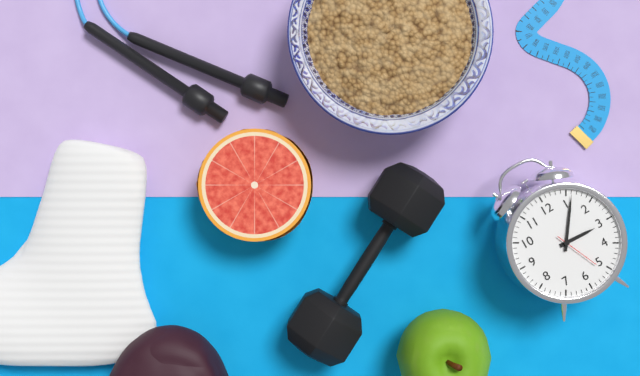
3:06
